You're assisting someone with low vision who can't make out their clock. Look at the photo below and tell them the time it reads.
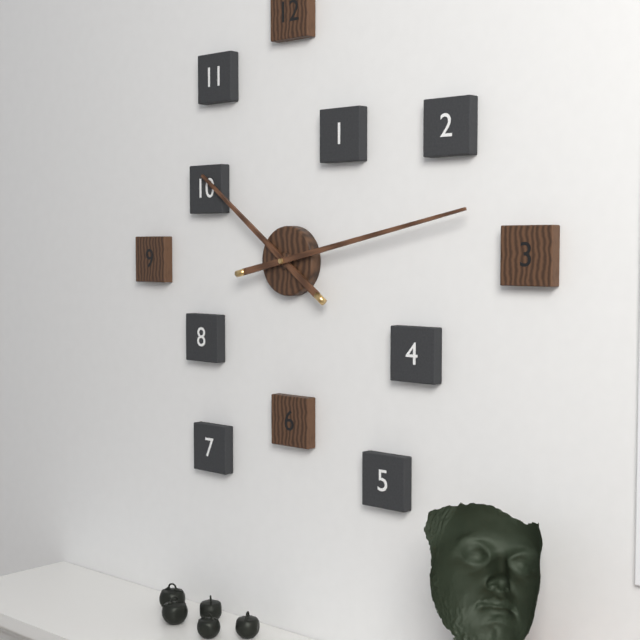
10:13
